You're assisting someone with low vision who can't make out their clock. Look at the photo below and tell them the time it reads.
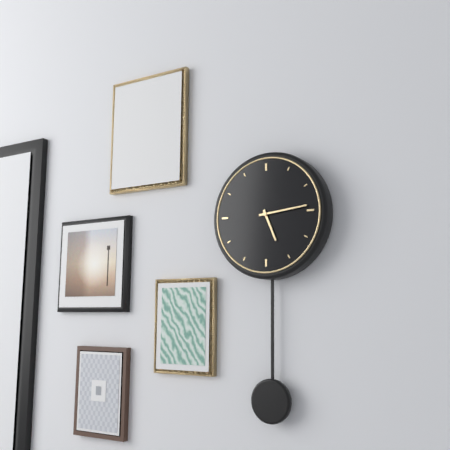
5:14
